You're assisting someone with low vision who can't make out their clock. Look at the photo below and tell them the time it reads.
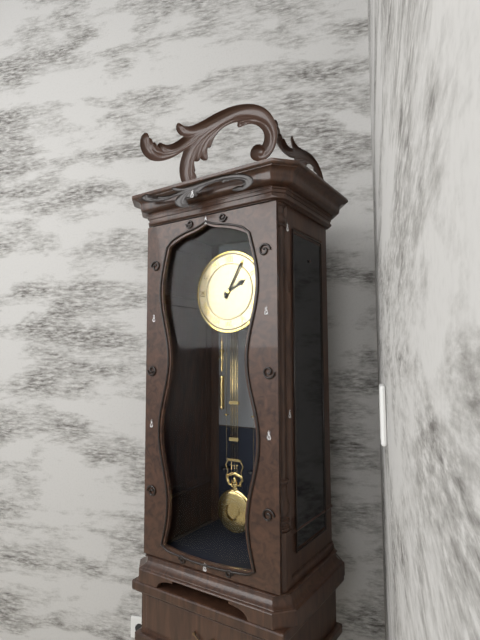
2:05
